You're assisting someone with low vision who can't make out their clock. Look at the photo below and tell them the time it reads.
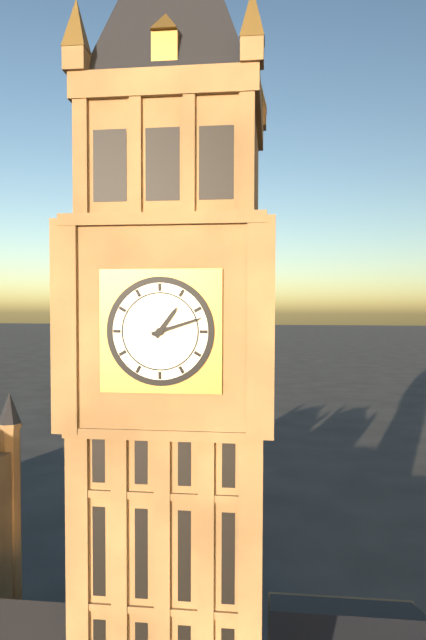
1:12
